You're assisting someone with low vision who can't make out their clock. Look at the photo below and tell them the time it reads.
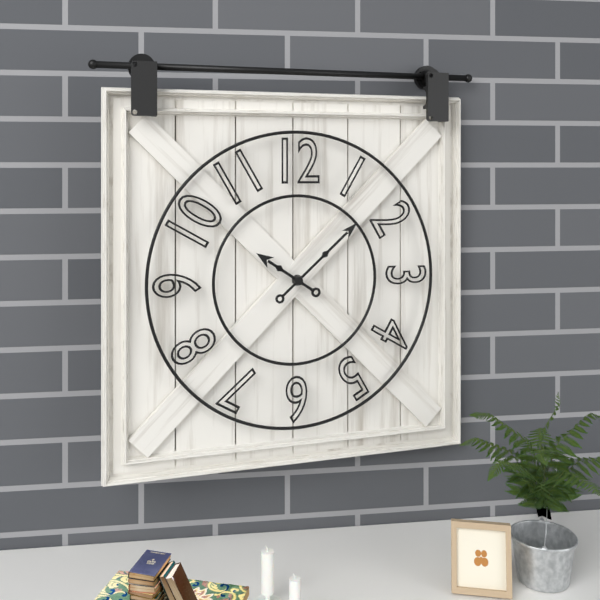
10:08
